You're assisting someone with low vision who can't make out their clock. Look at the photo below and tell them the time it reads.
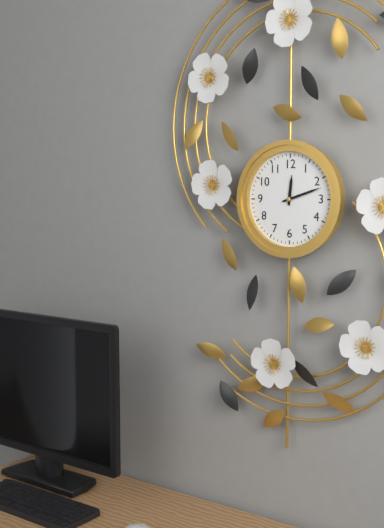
12:12
